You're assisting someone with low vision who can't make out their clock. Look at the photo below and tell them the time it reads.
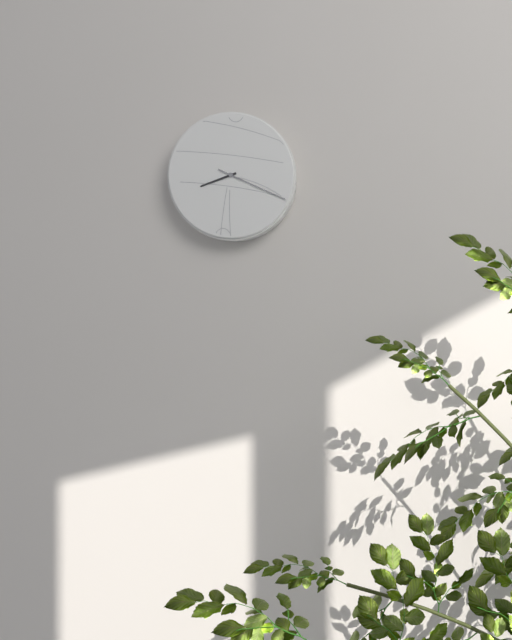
8:19
